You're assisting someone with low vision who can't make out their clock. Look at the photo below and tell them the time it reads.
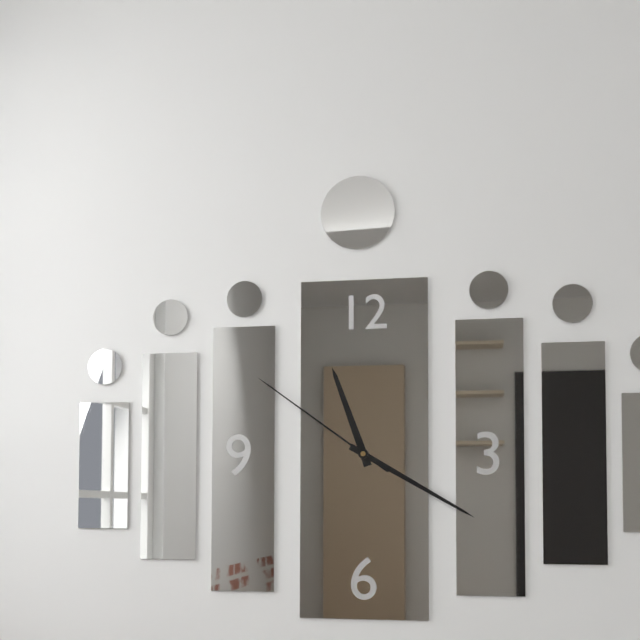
11:20:51
